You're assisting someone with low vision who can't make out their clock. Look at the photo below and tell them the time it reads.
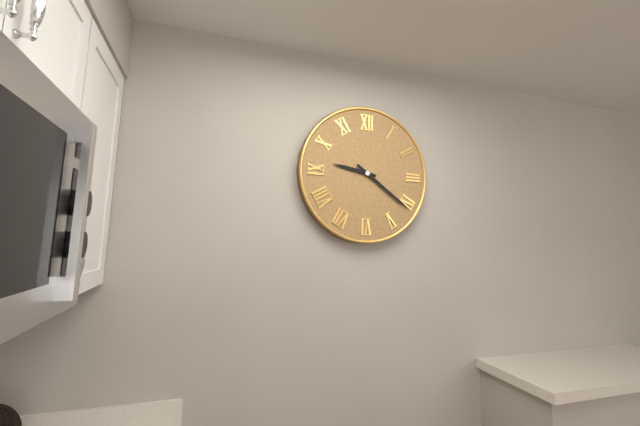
9:21
